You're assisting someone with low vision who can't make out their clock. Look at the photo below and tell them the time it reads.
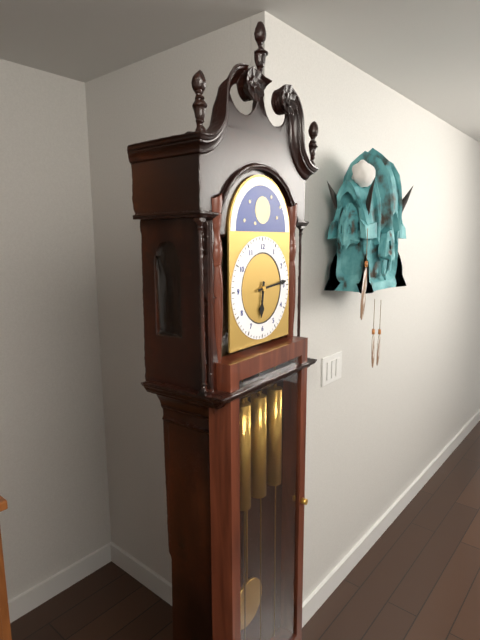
6:14
